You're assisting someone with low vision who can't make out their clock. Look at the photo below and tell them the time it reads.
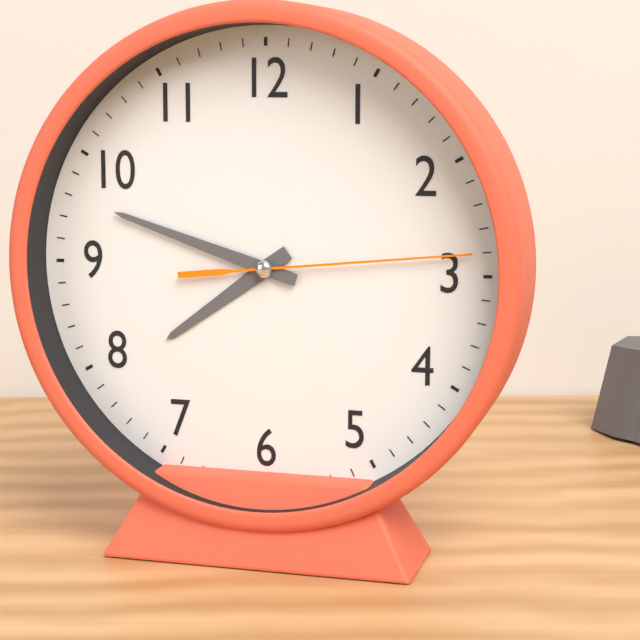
7:48:14
